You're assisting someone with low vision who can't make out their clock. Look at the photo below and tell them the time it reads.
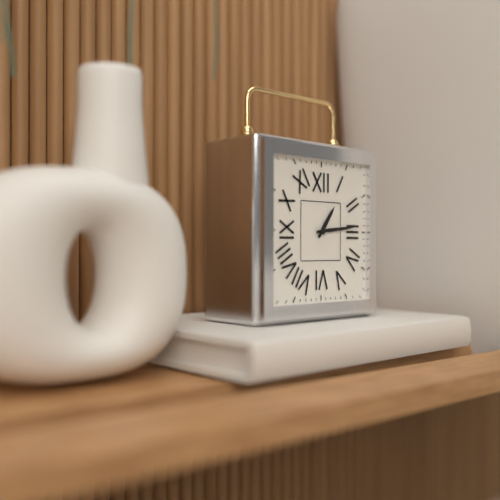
1:14
